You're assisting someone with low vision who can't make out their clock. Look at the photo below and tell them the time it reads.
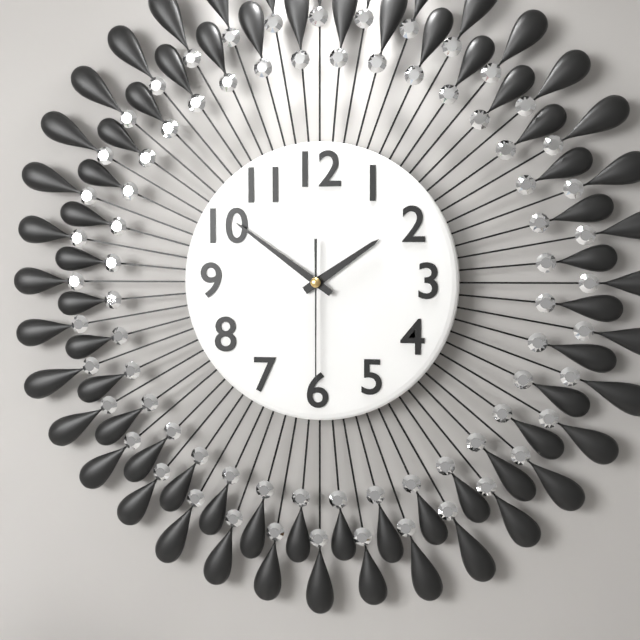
1:51:30
